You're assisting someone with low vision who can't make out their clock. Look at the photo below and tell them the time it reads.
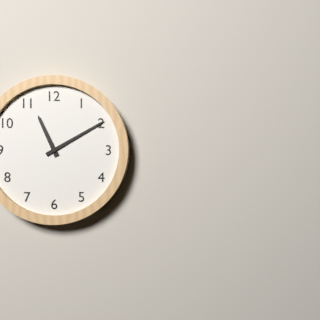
11:10
